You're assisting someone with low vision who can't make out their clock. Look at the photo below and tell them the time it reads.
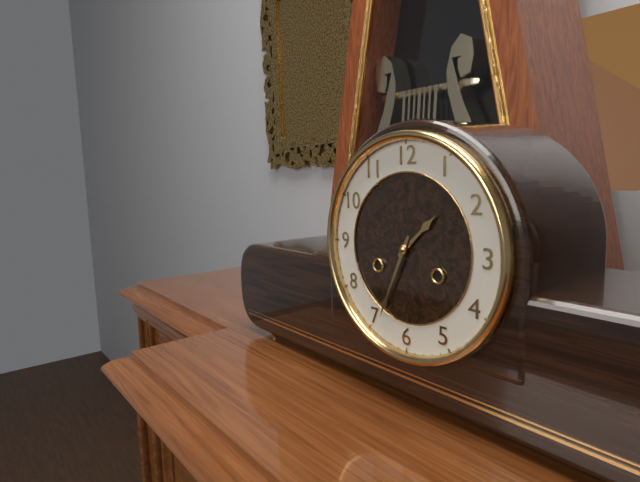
1:34
